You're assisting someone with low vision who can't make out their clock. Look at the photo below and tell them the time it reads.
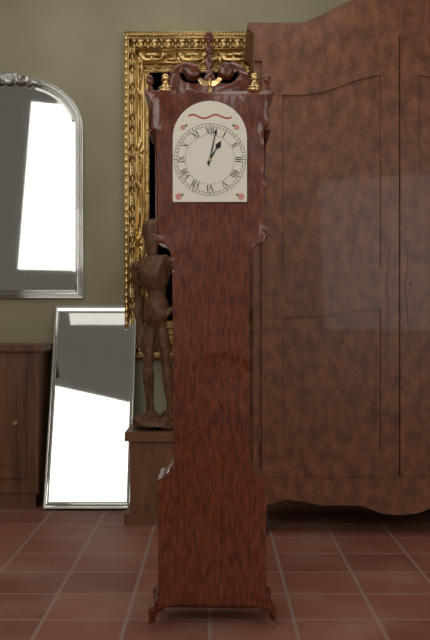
1:02
